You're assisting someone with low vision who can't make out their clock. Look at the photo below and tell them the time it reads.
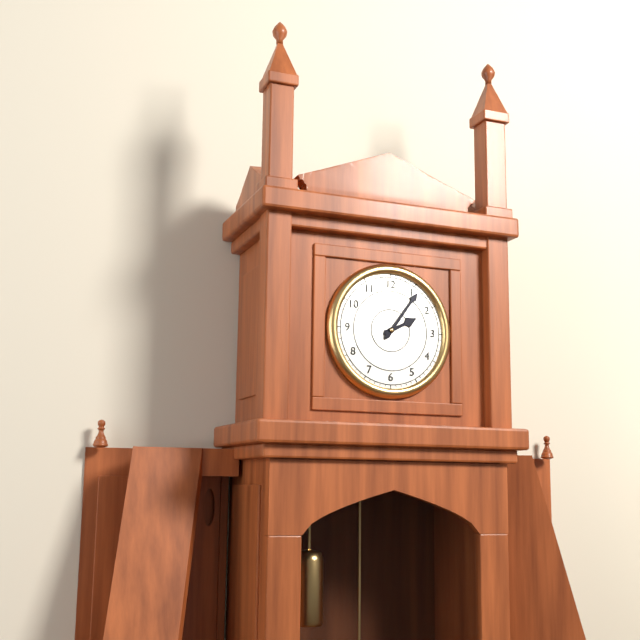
2:06
